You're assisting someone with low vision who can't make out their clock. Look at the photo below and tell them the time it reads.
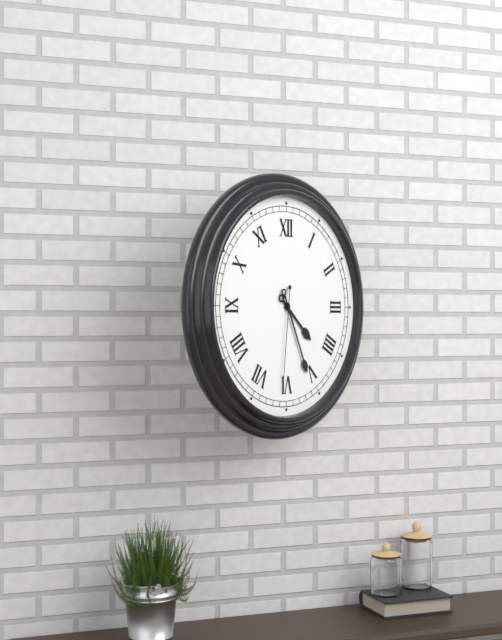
4:26:31
